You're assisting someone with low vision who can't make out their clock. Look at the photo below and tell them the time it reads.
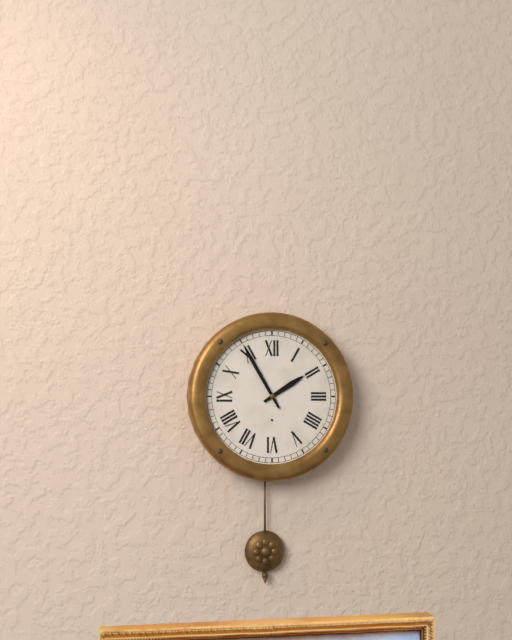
1:55
